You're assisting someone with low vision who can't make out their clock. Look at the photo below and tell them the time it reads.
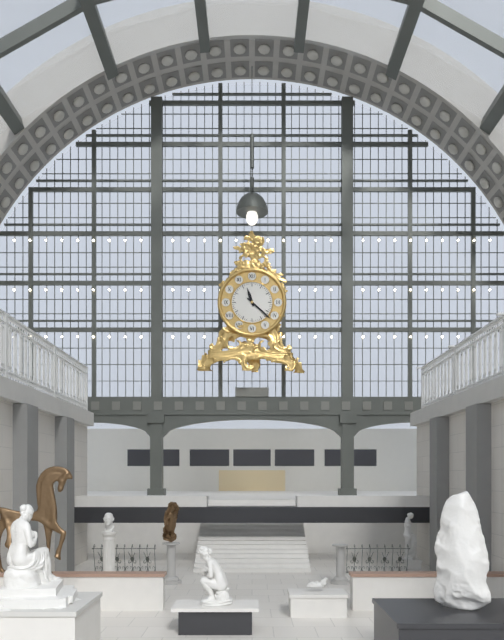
11:22
